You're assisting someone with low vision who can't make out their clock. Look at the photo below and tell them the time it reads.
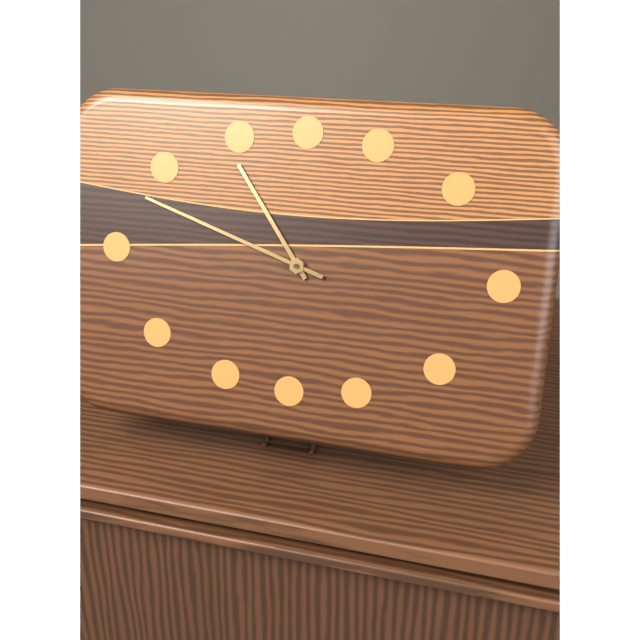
10:48
